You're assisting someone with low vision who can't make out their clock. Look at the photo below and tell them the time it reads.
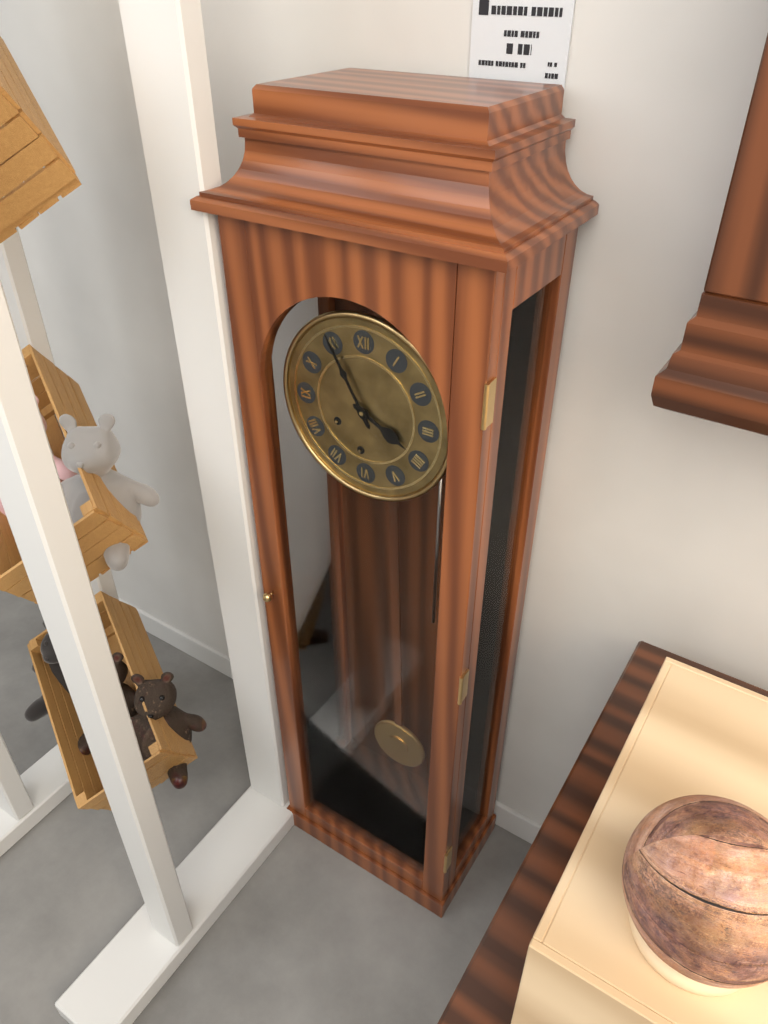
3:55
